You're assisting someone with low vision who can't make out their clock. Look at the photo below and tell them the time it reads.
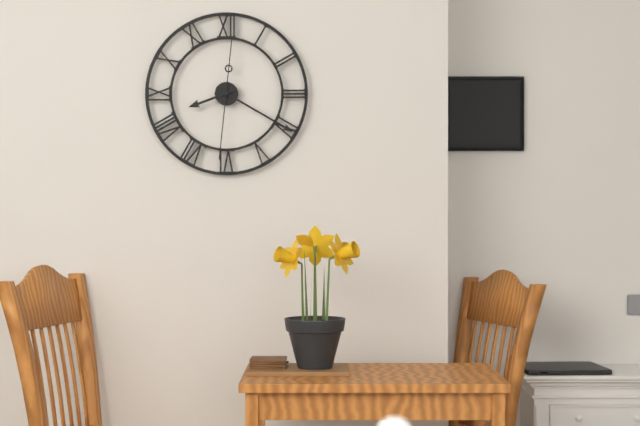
8:20:31
